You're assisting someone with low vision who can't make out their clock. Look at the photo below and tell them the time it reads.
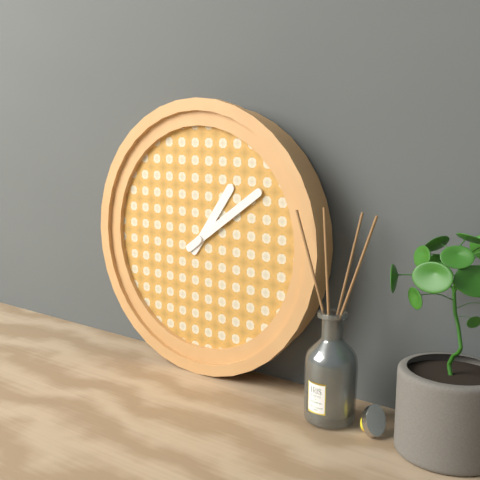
1:09
